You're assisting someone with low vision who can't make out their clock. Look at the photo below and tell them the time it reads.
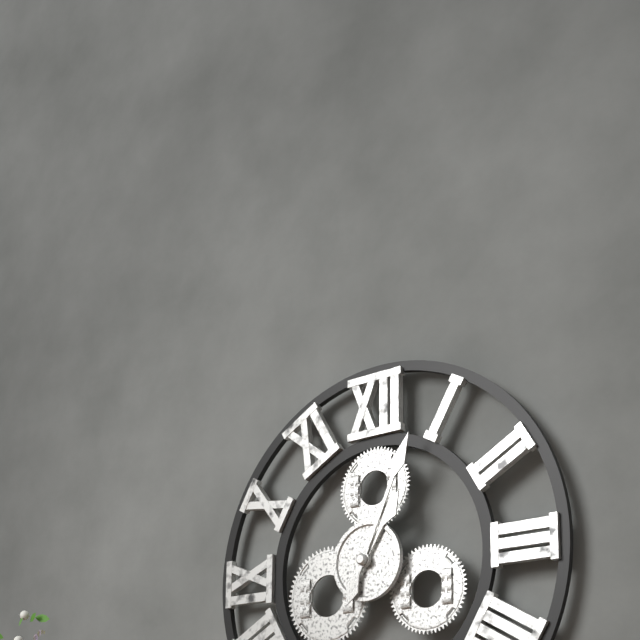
1:04
